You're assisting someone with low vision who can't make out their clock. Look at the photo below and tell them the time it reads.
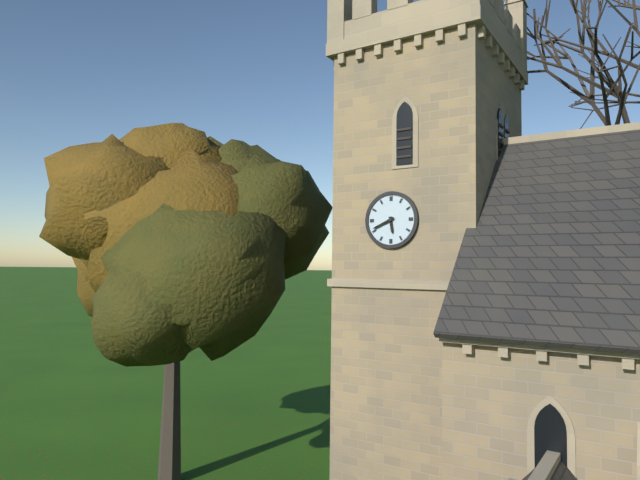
5:41
